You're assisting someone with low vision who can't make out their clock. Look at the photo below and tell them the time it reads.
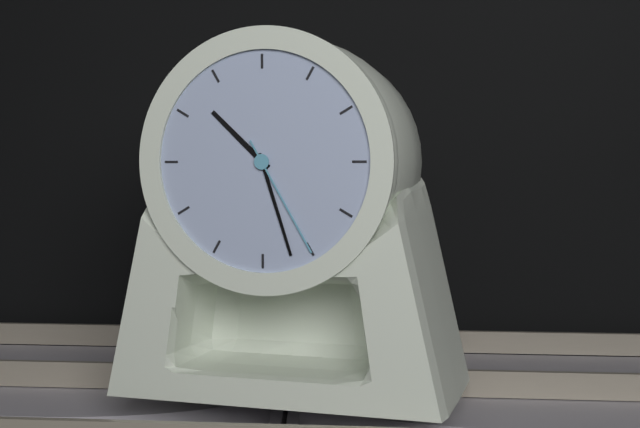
10:27:25
